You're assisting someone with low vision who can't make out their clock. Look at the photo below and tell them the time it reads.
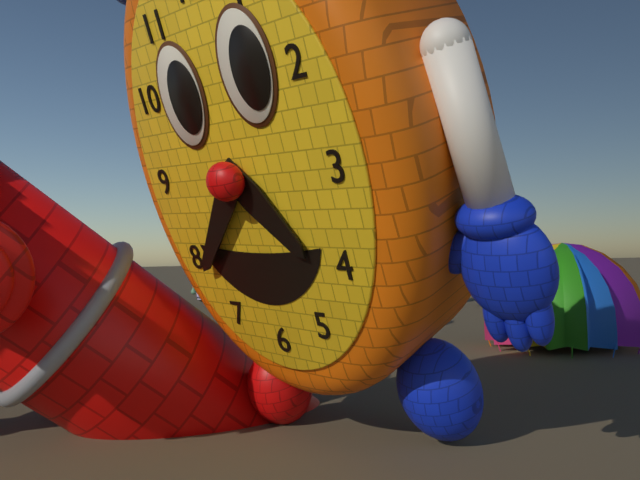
4:37
